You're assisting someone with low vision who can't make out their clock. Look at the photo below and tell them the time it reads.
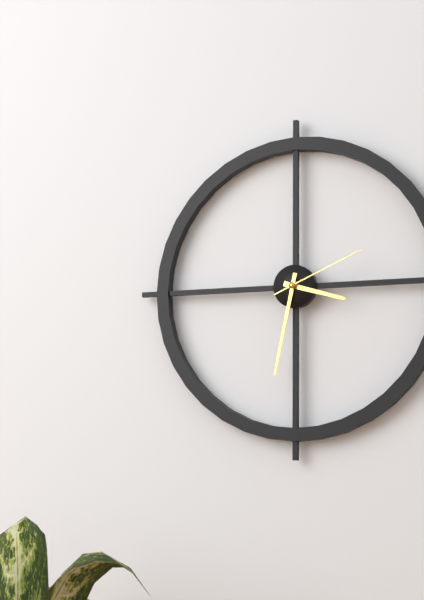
3:32:11
